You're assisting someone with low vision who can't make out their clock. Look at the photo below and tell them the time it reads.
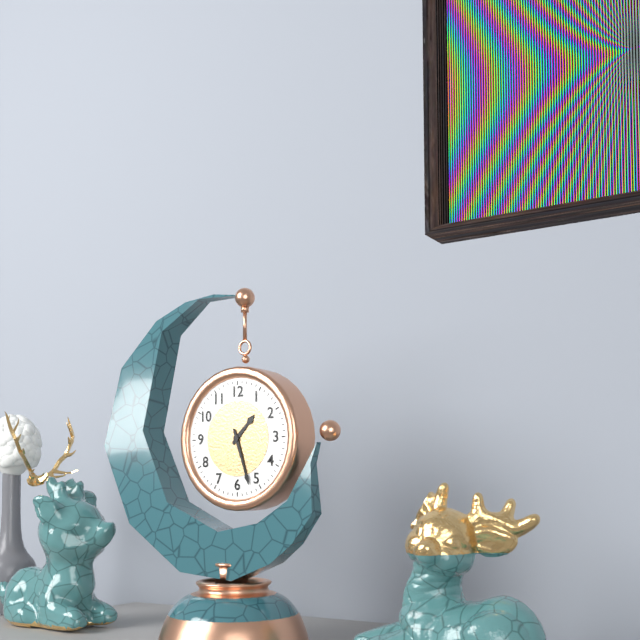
1:27
